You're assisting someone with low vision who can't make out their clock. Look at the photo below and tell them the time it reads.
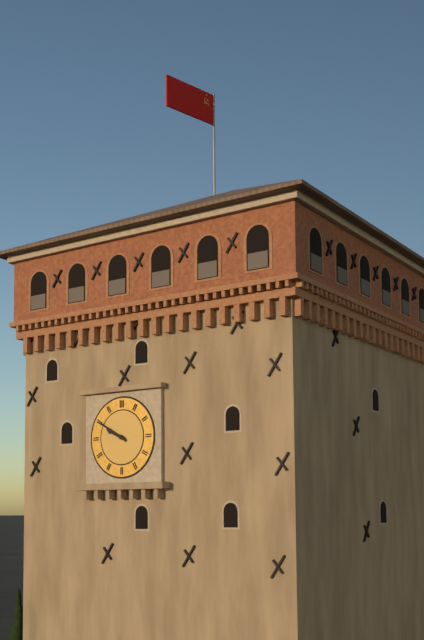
9:50
